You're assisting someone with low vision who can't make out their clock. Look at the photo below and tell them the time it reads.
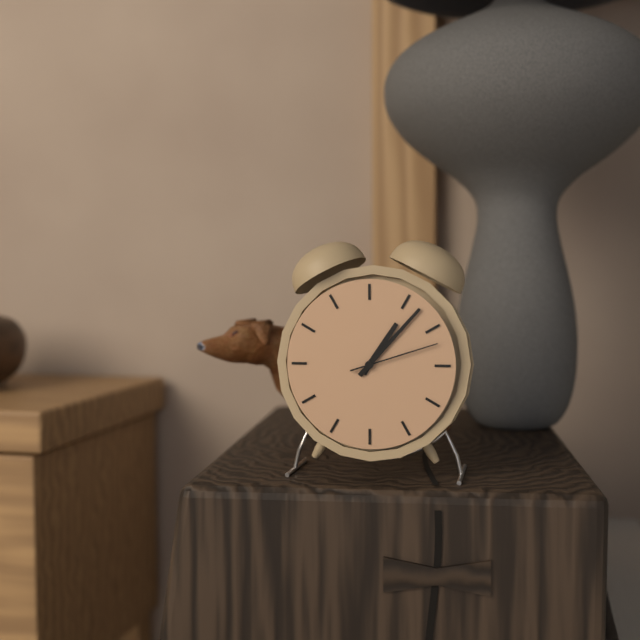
1:07:12
